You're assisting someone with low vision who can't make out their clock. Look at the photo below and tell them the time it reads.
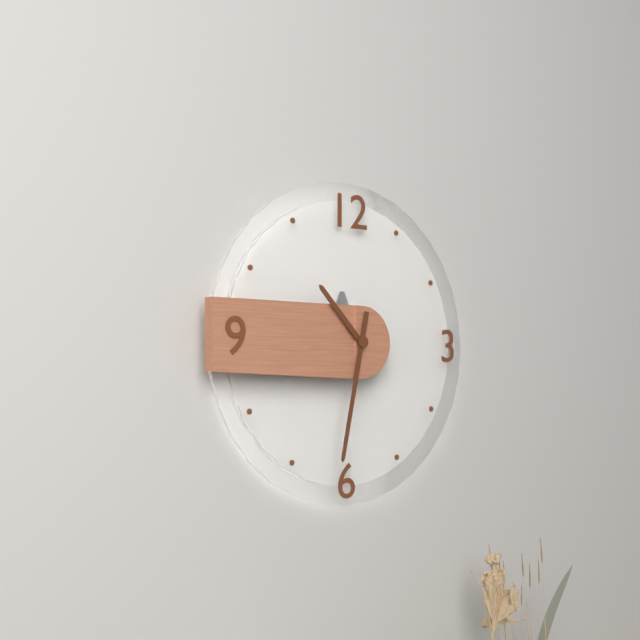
10:32
